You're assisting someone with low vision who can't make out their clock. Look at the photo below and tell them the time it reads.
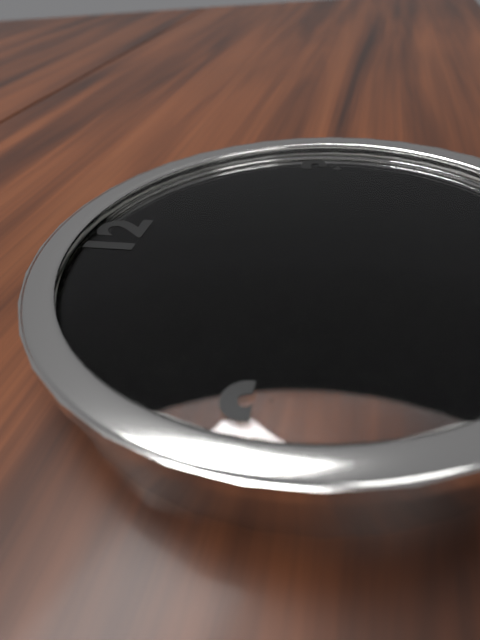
3:56
